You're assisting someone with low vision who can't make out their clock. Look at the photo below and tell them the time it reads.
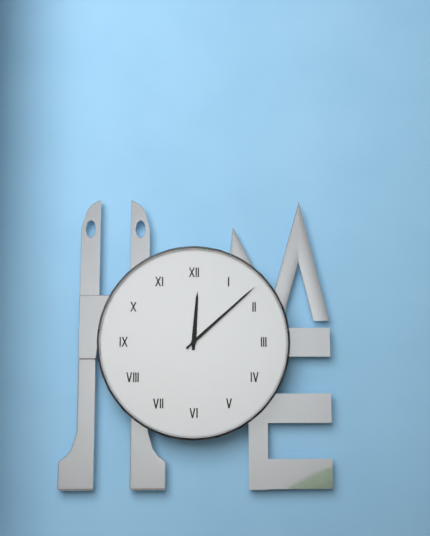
12:08
